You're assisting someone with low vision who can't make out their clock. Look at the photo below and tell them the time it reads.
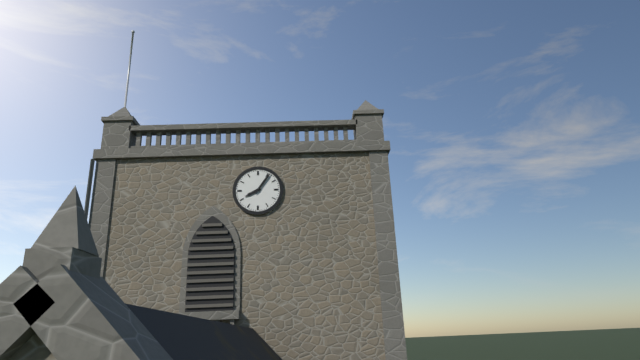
8:06
